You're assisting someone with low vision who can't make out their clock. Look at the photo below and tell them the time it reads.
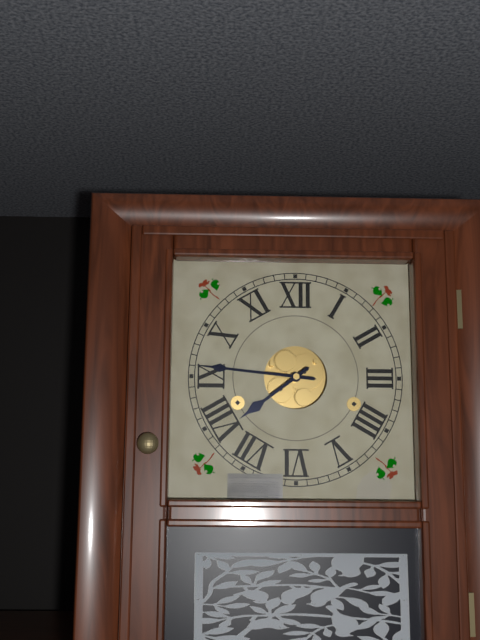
7:46
